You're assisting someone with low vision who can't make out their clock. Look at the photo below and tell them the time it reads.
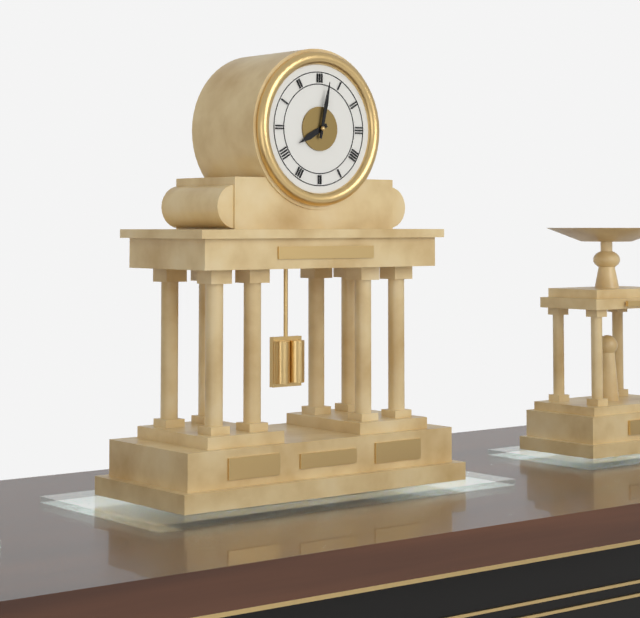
8:02
